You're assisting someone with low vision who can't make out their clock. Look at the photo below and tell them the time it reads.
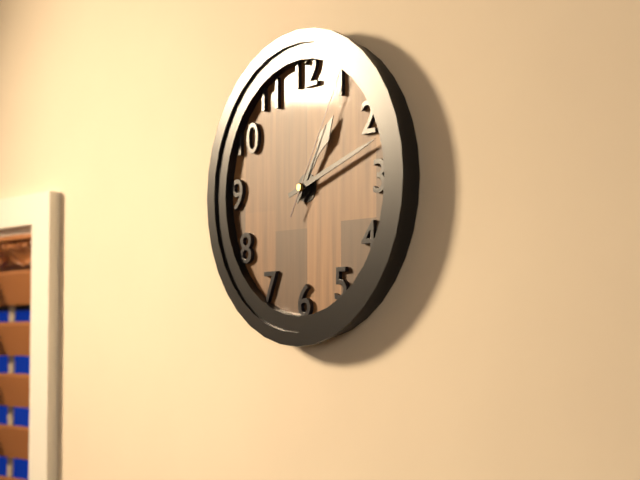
1:12:05
